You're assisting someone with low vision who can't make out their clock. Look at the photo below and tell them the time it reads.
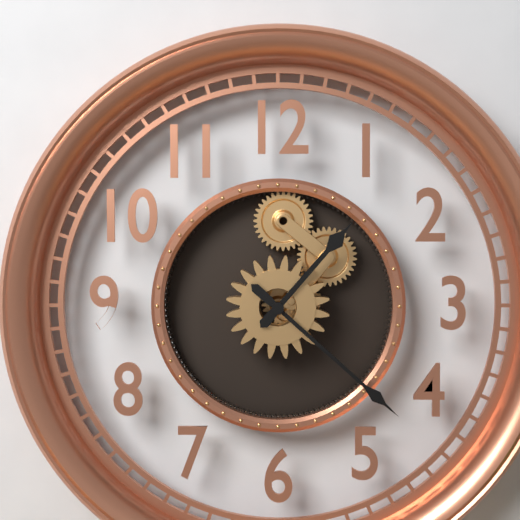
1:22
